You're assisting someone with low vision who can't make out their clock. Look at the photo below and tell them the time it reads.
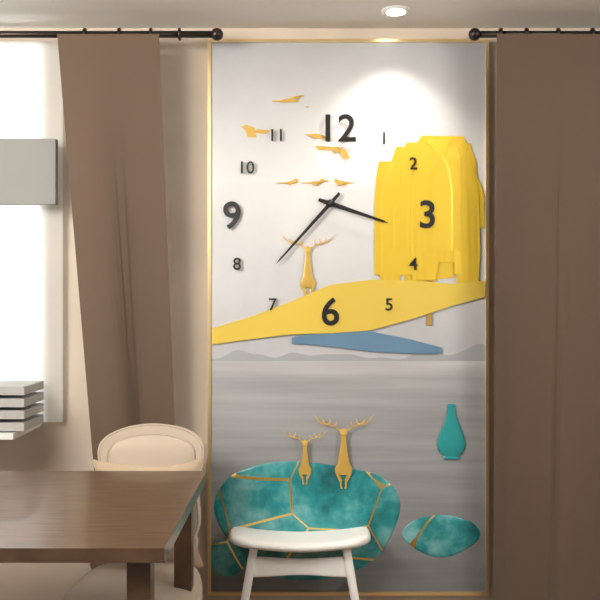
3:37
